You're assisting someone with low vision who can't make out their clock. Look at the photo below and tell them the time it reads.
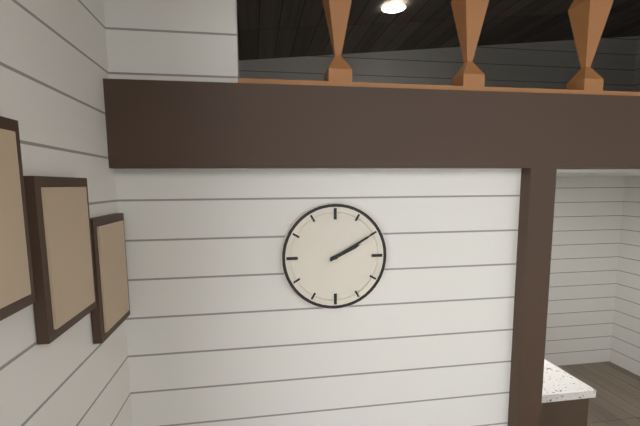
2:10
